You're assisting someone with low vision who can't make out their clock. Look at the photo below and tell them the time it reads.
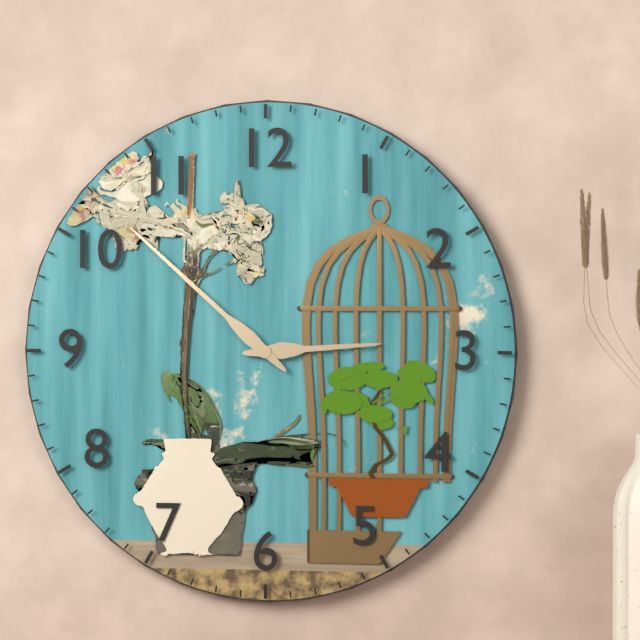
2:52
